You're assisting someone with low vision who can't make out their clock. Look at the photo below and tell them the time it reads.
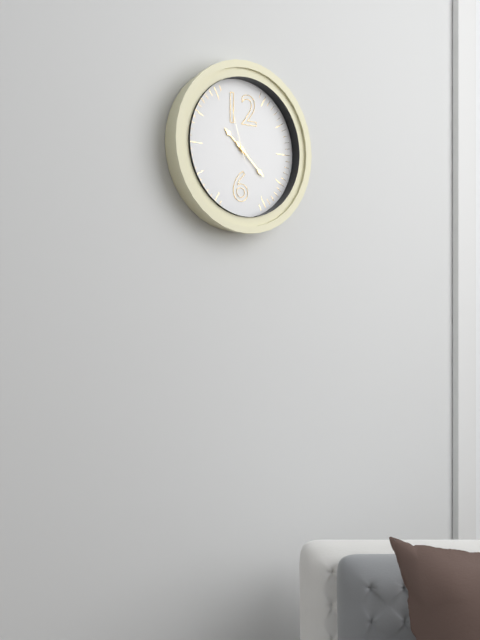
10:22:57
